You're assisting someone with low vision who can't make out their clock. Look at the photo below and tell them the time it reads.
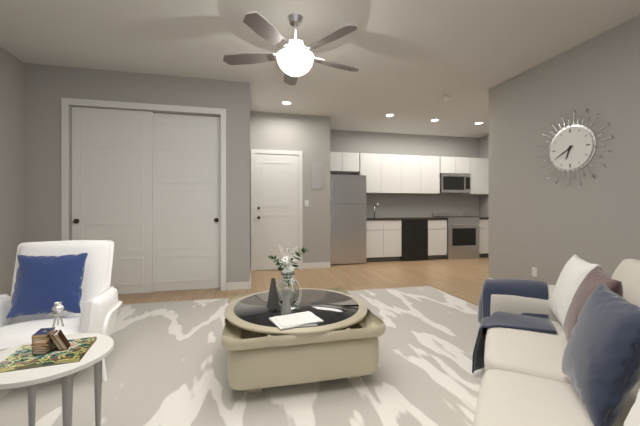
6:40
